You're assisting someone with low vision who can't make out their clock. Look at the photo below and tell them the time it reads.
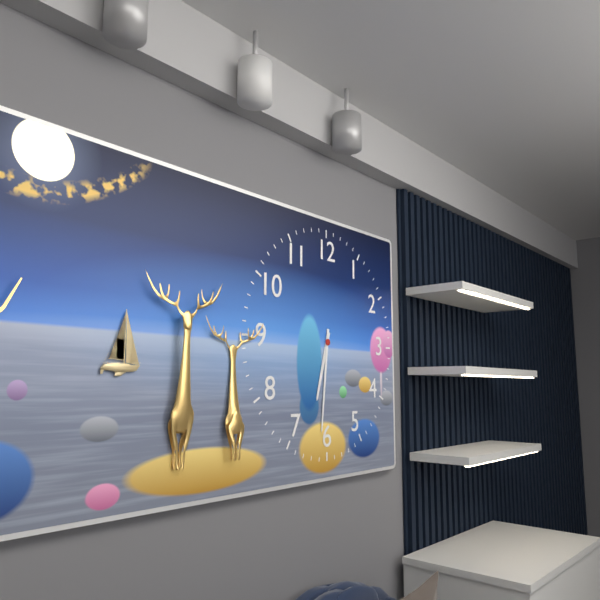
6:31
